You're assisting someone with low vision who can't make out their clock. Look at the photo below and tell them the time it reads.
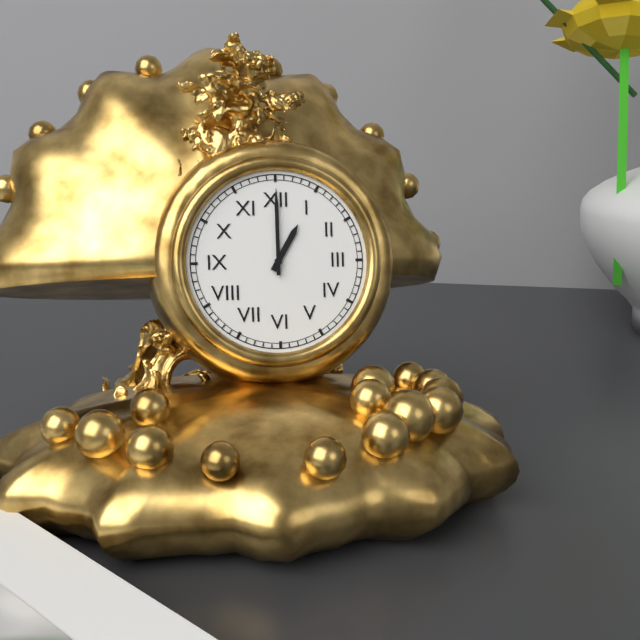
1:00
